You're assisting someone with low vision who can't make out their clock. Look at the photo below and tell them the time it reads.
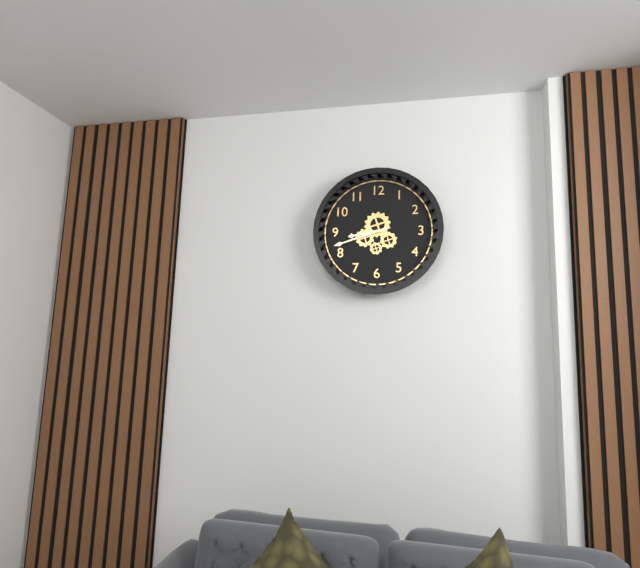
8:42
